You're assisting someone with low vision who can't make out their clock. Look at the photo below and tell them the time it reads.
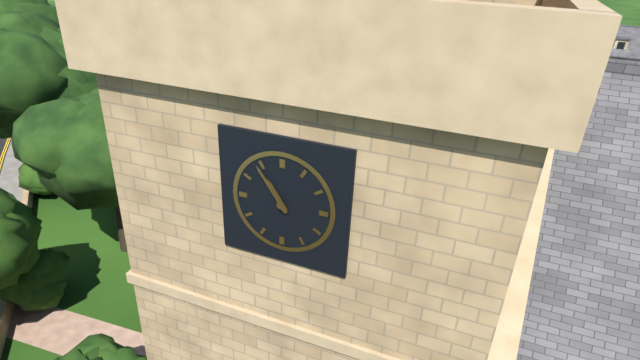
10:54
